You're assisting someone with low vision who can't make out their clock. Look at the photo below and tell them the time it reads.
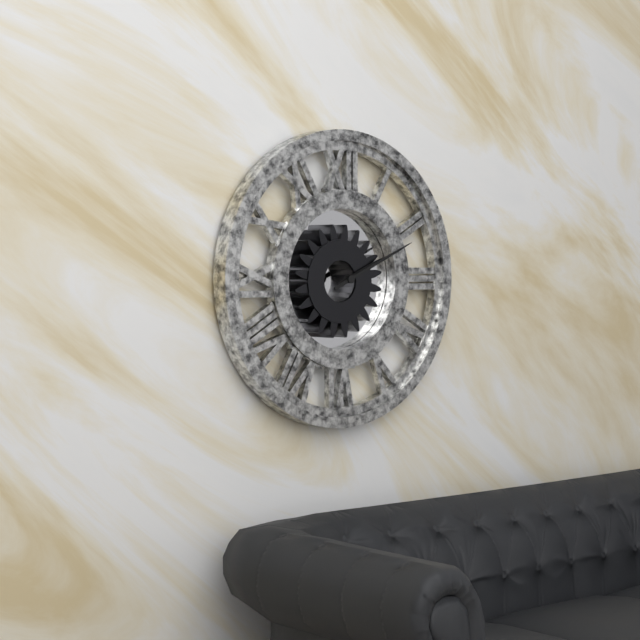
2:11
